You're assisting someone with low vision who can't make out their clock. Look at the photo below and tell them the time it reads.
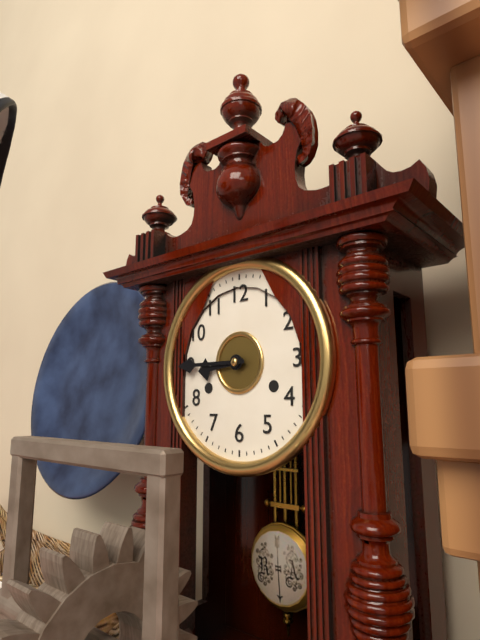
8:45
